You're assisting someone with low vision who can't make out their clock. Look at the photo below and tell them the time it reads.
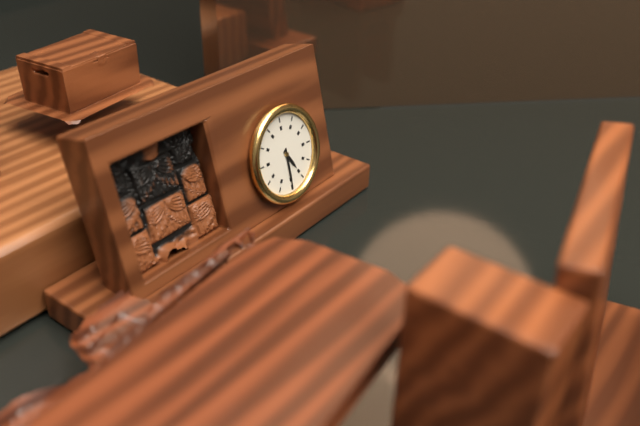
11:00
